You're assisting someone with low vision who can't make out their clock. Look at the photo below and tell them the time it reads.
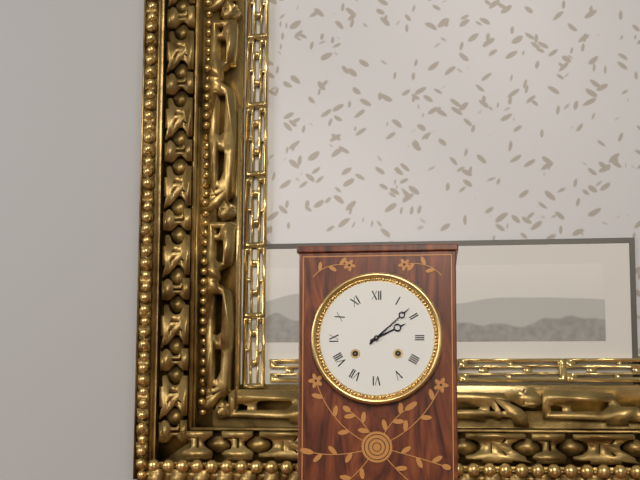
2:08
